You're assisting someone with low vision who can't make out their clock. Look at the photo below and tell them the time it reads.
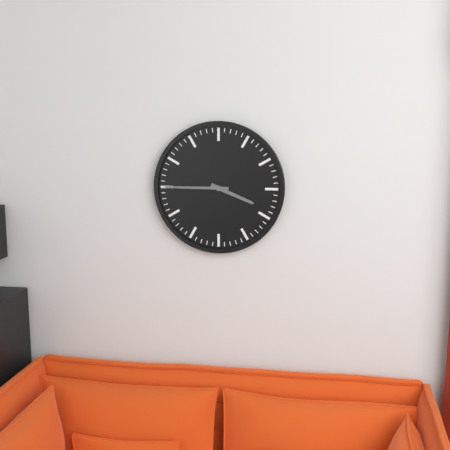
3:45
